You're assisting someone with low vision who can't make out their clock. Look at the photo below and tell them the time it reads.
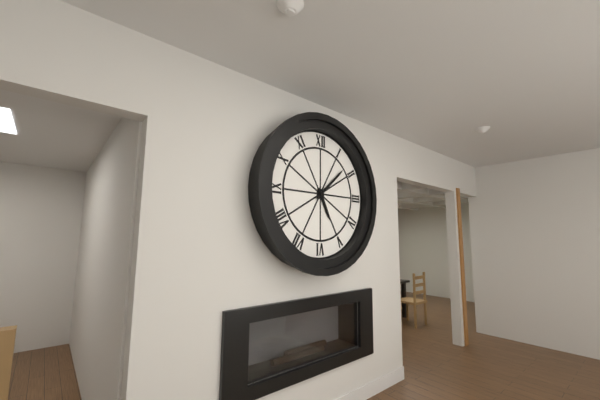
5:08
